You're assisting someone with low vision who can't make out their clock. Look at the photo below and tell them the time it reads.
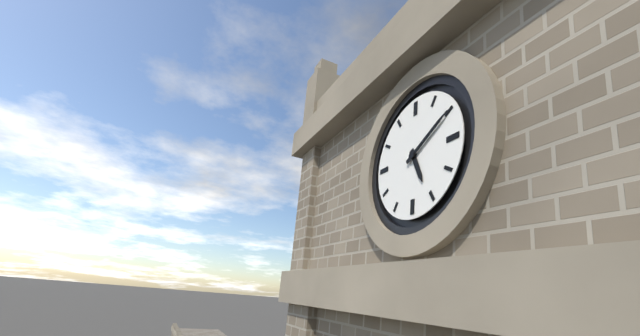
5:10
